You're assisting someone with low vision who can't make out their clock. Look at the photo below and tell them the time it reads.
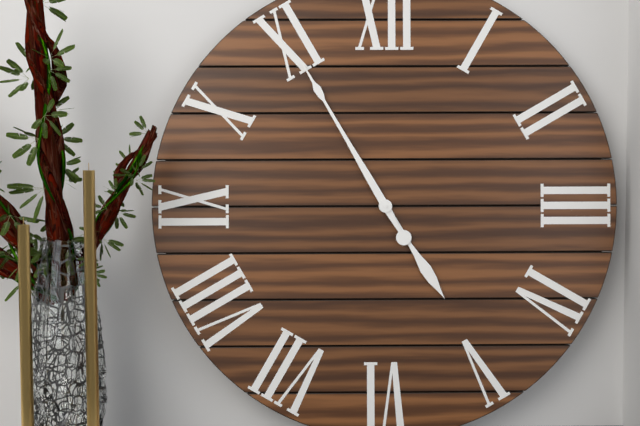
4:55
